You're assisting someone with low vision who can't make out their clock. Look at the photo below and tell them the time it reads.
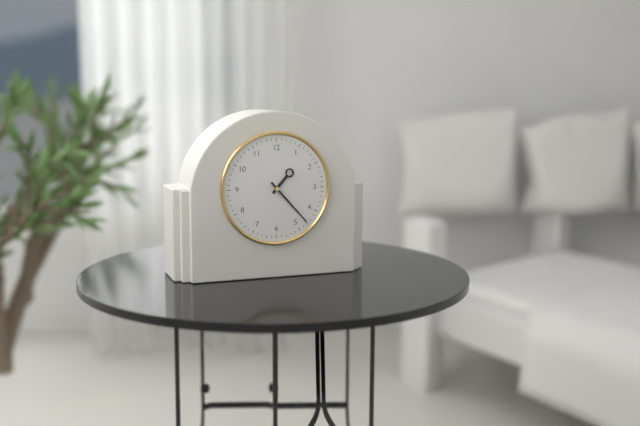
1:23
